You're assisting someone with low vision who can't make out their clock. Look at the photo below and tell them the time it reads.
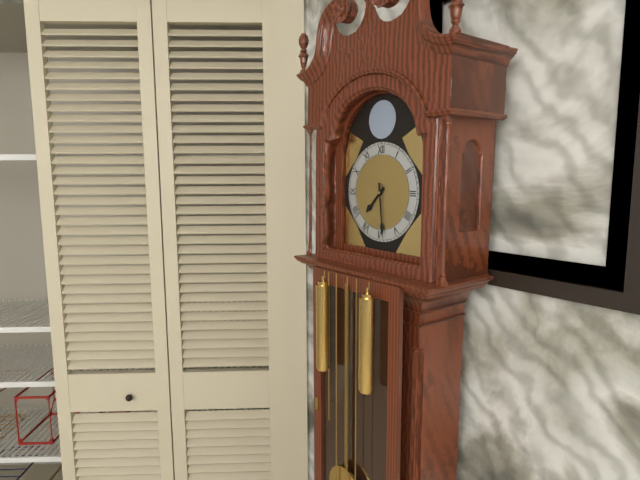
7:29
